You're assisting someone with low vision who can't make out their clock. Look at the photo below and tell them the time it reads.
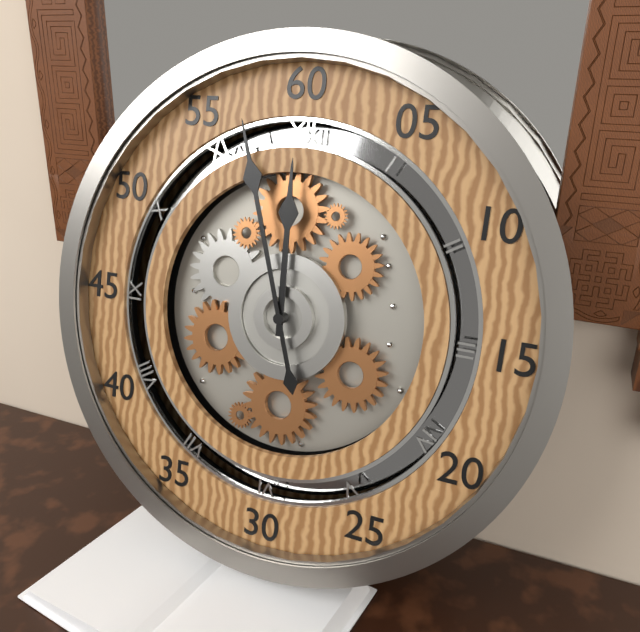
11:57
